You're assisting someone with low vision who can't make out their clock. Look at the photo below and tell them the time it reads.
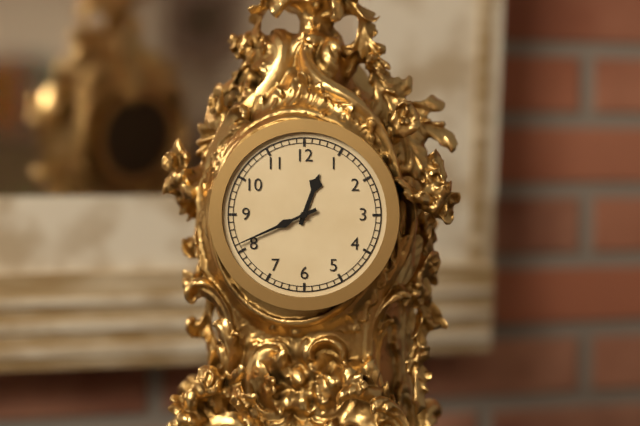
12:41
